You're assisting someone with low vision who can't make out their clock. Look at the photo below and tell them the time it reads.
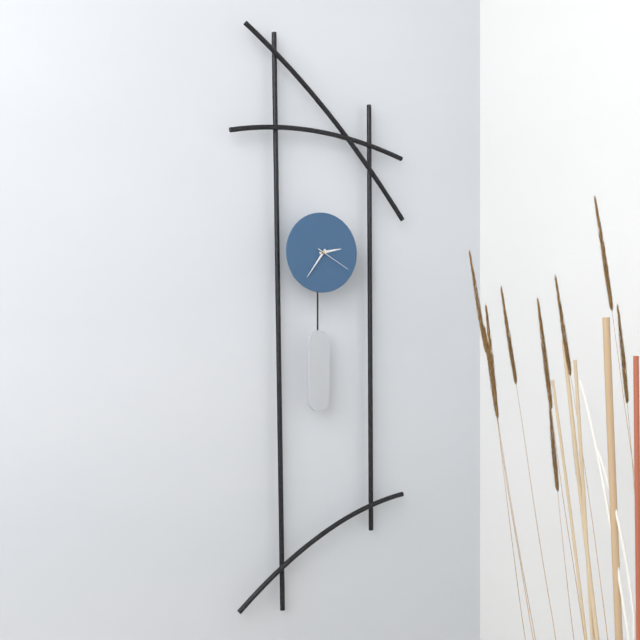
2:36
